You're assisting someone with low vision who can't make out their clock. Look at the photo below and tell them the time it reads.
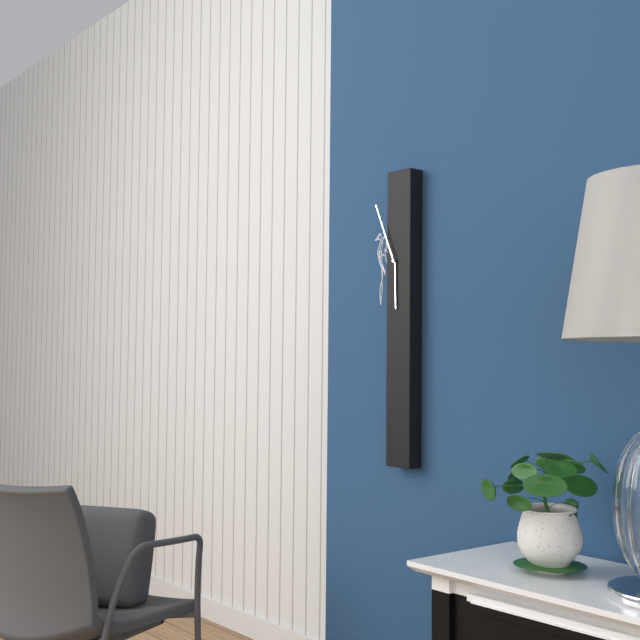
5:56
